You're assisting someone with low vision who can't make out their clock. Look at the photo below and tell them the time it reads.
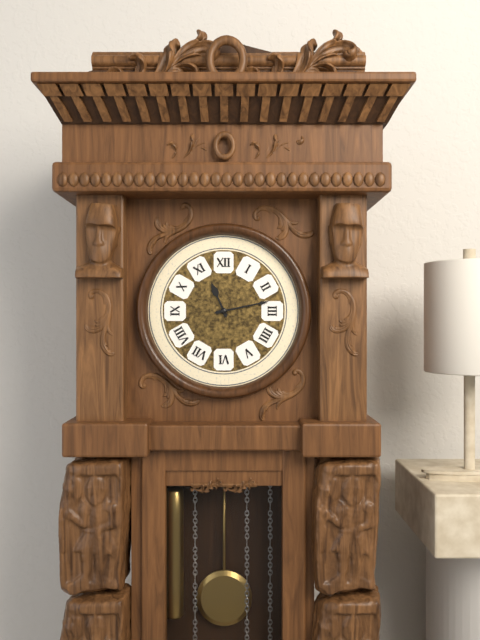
11:13
